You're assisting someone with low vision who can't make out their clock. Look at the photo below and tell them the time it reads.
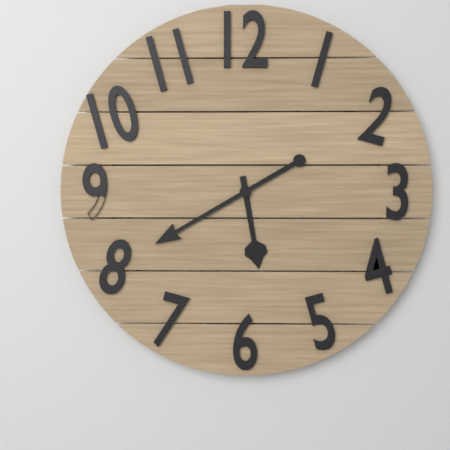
5:40
